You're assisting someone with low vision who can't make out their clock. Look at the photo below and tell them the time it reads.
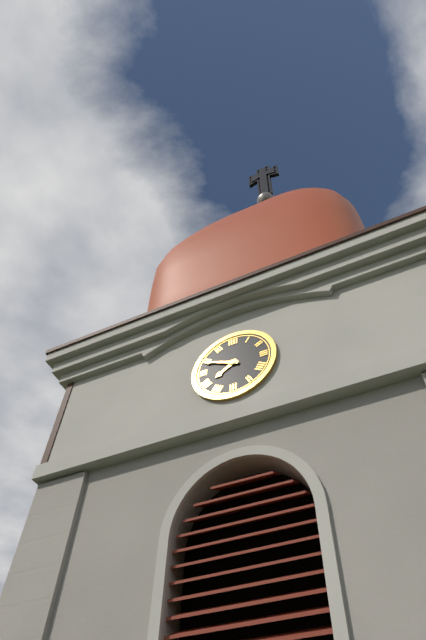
7:49
